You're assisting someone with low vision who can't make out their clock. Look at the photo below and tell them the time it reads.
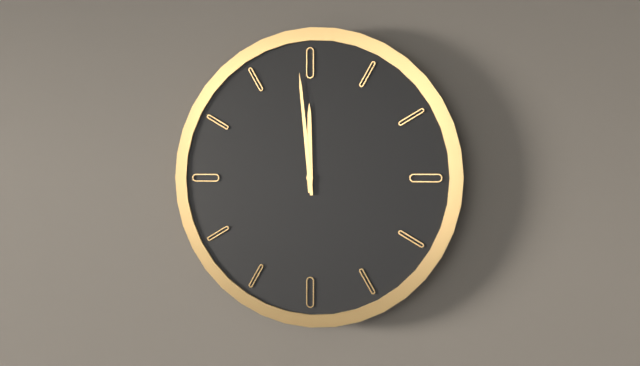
11:59
